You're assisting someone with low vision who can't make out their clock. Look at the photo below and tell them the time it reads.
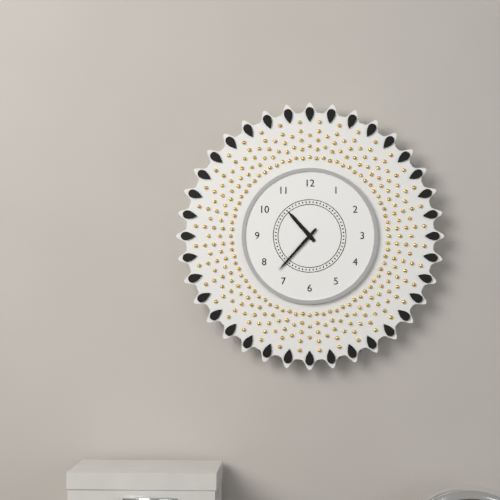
10:37
